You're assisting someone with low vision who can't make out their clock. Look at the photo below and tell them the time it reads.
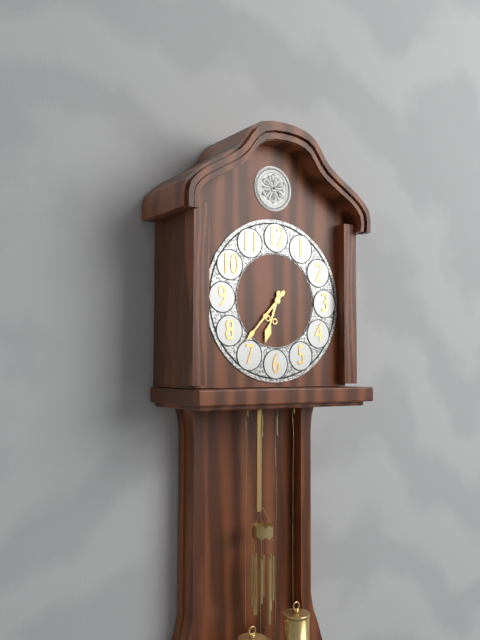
6:37
